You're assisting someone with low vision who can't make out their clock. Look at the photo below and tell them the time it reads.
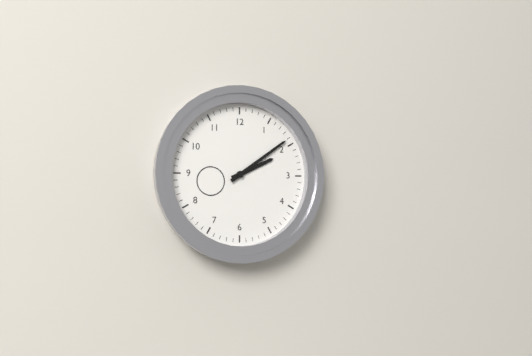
2:09
